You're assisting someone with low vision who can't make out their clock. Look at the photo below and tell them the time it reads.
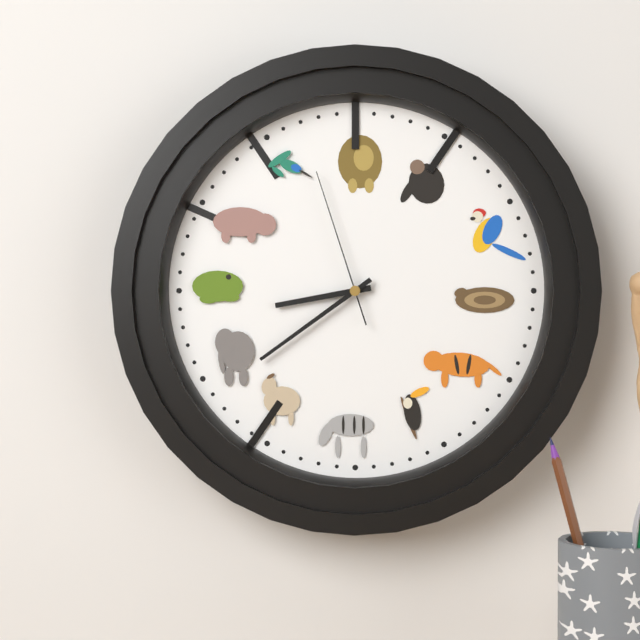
8:39:57
